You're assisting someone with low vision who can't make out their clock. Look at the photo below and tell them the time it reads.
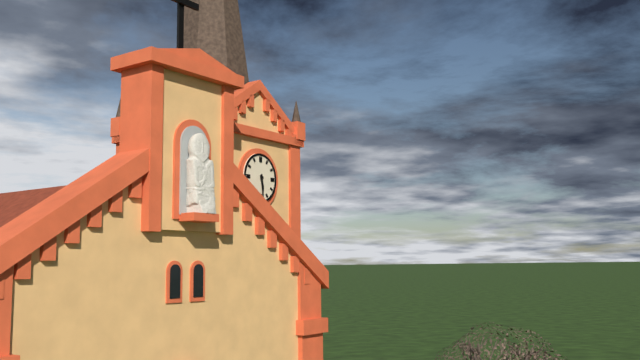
5:29
